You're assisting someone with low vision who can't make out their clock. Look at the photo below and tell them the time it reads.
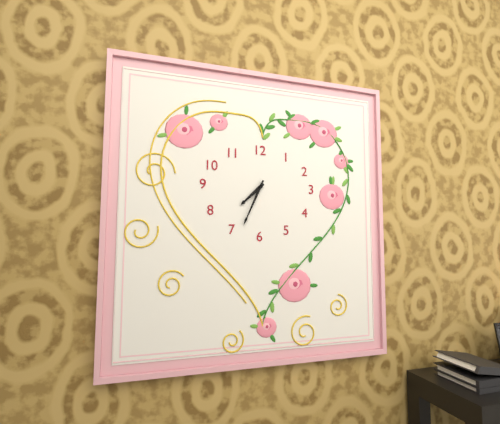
7:34
